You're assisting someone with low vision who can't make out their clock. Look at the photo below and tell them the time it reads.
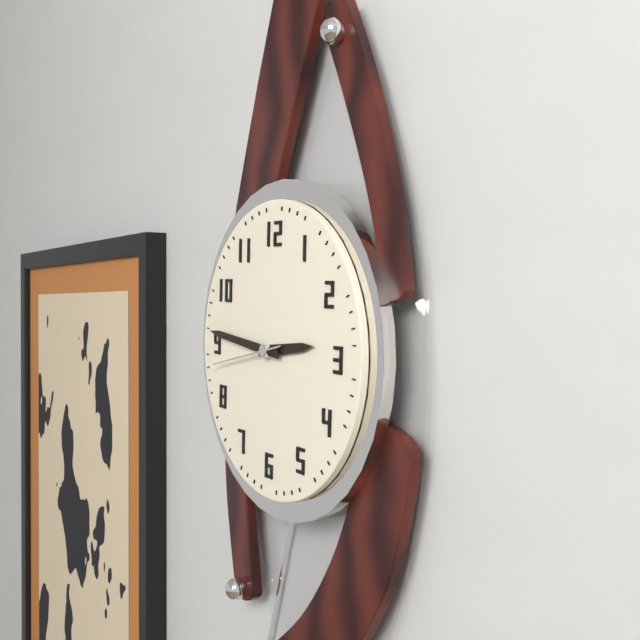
2:46:43
